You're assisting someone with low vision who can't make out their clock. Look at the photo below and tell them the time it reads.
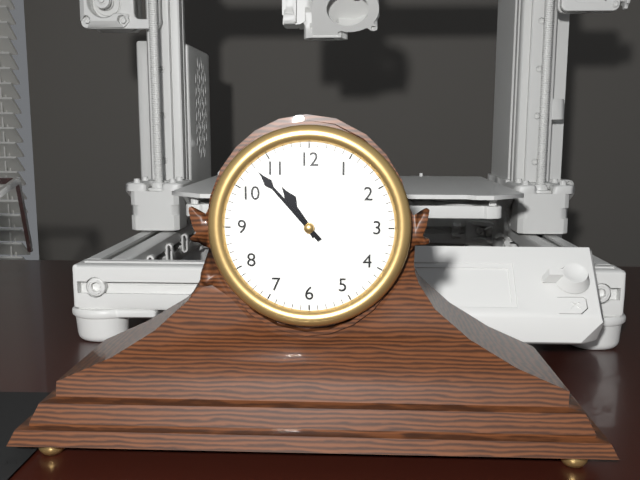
10:53
